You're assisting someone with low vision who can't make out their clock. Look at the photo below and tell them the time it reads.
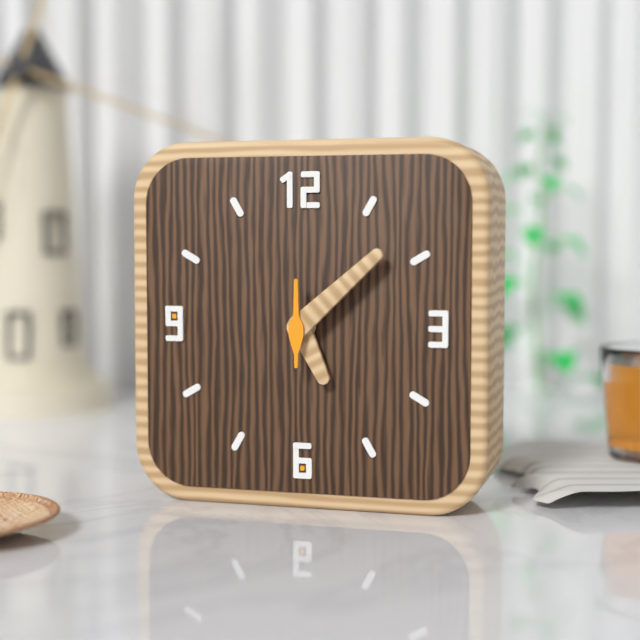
5:08:00
